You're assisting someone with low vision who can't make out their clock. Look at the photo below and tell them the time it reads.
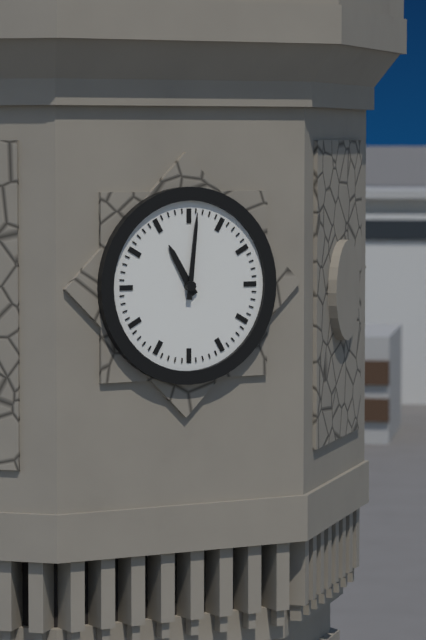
11:01
